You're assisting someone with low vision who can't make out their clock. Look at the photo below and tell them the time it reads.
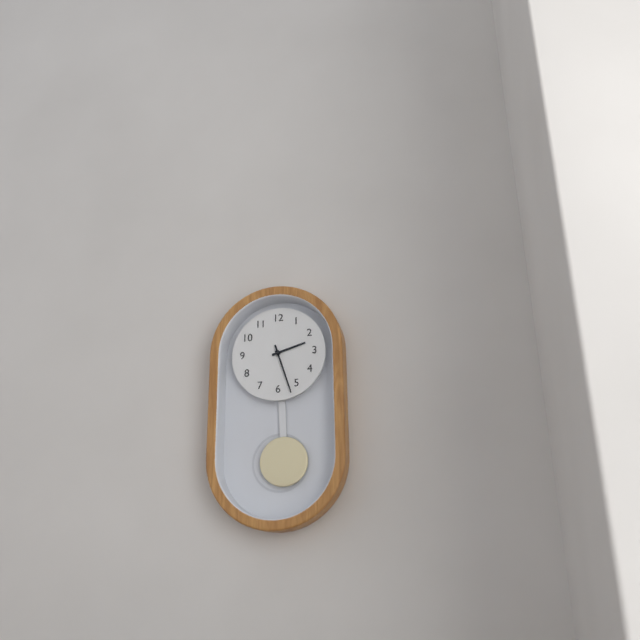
2:27
